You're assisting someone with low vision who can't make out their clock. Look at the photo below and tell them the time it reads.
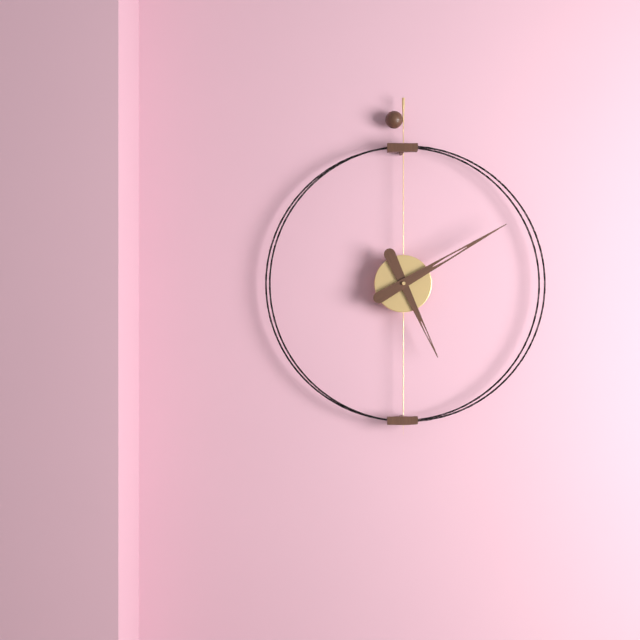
5:10
